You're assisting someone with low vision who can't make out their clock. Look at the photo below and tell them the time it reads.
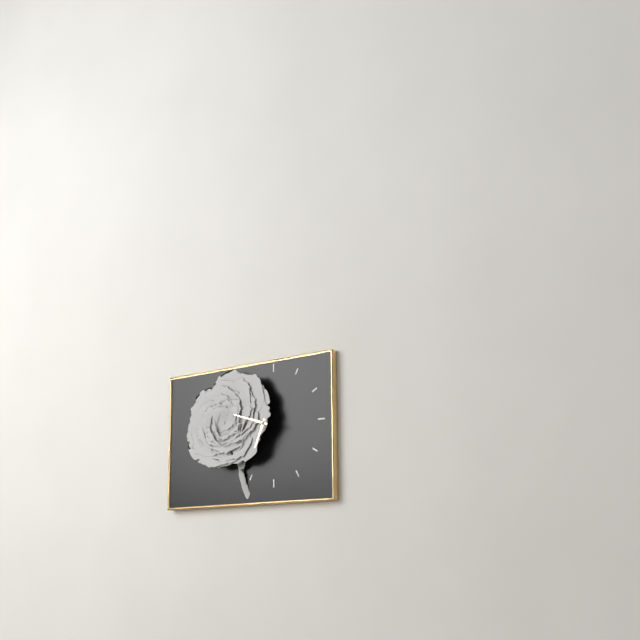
6:48
